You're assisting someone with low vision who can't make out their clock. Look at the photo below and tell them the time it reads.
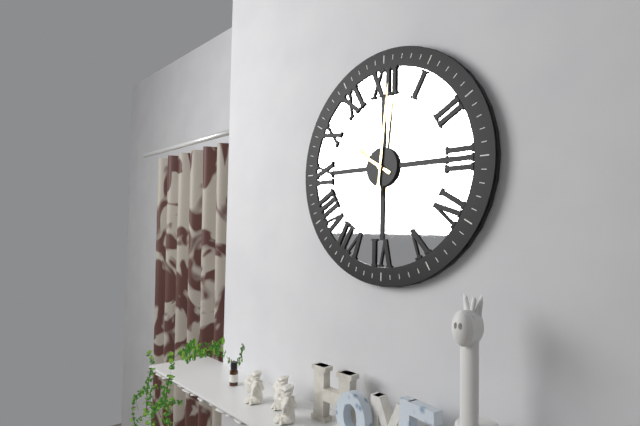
10:01
